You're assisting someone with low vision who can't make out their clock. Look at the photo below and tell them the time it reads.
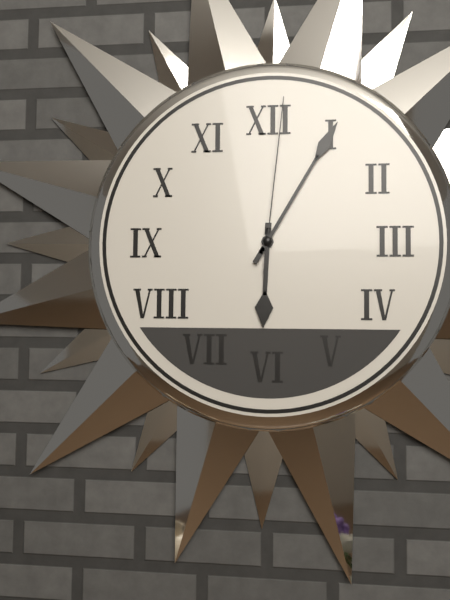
6:05:01
